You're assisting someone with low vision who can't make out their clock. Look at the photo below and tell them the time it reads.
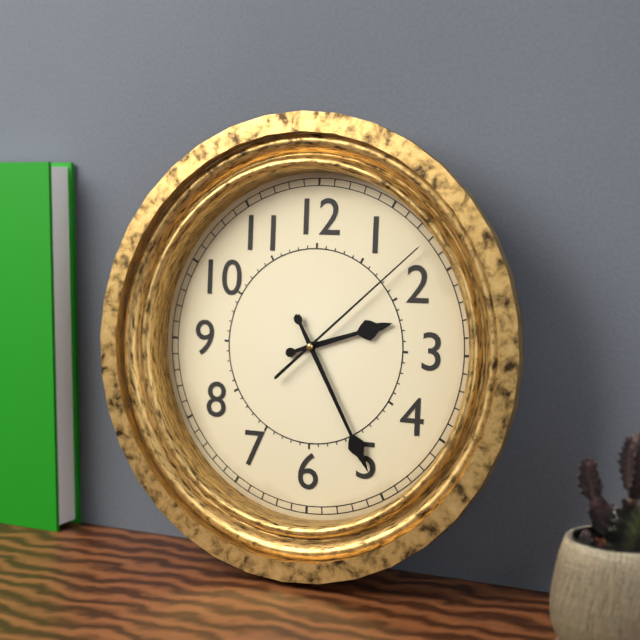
2:25:08
